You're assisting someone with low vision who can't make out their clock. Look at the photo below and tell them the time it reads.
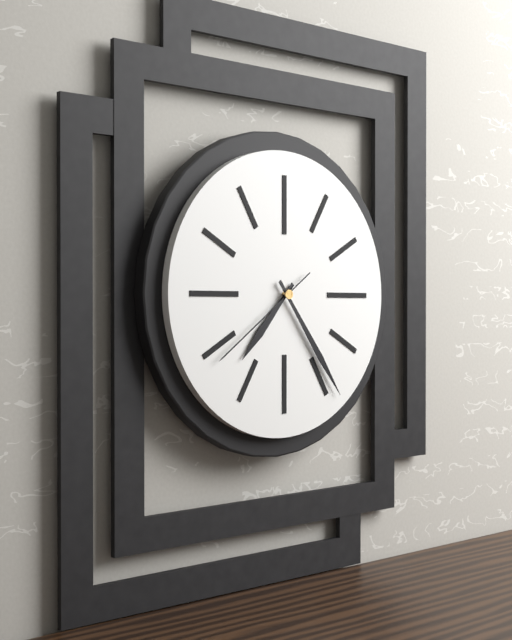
7:24:39
